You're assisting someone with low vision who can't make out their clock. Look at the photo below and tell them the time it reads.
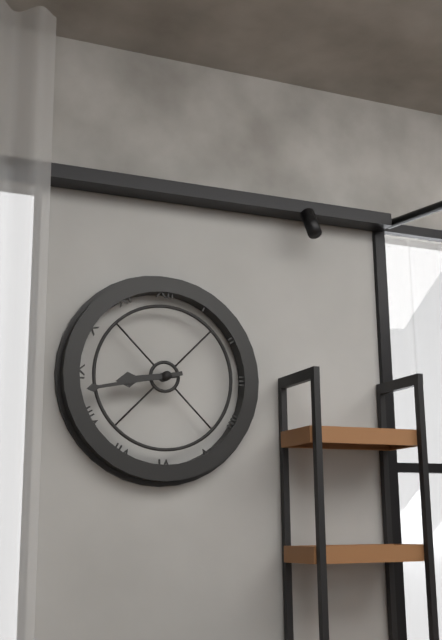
8:43
